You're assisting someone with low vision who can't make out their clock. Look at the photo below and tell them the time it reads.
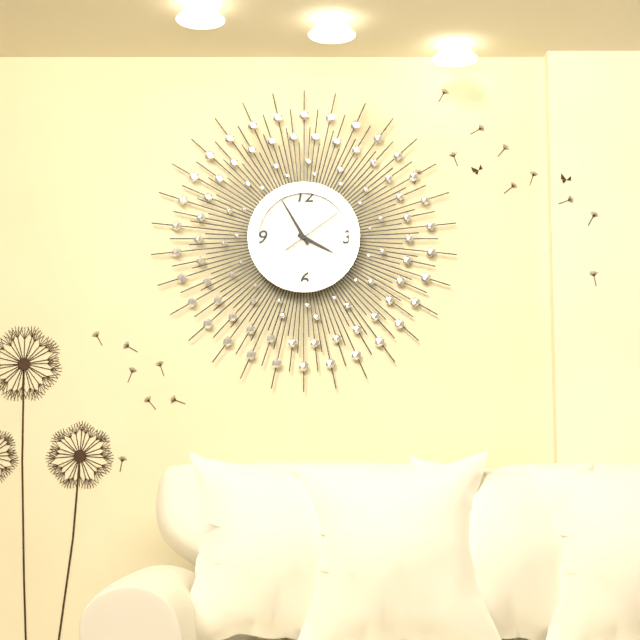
3:55:09
